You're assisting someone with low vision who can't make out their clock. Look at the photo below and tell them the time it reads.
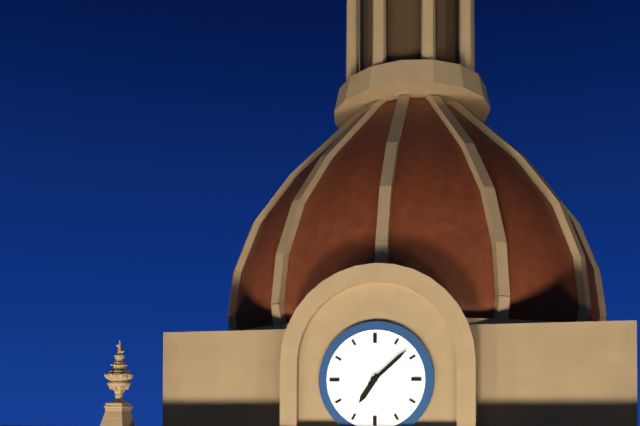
7:08
